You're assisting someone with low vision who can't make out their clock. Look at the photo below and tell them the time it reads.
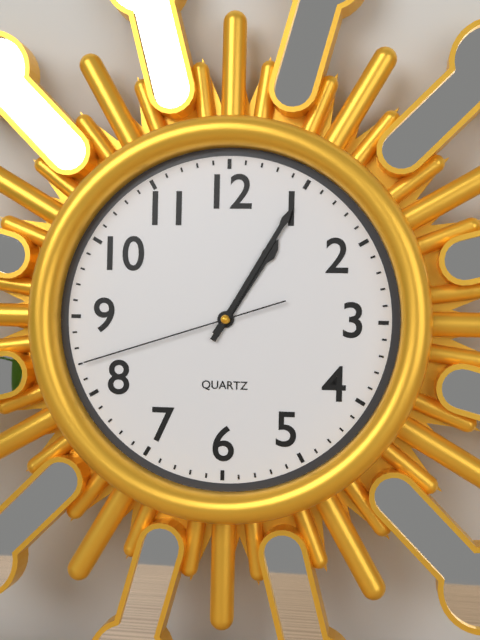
1:05:42
